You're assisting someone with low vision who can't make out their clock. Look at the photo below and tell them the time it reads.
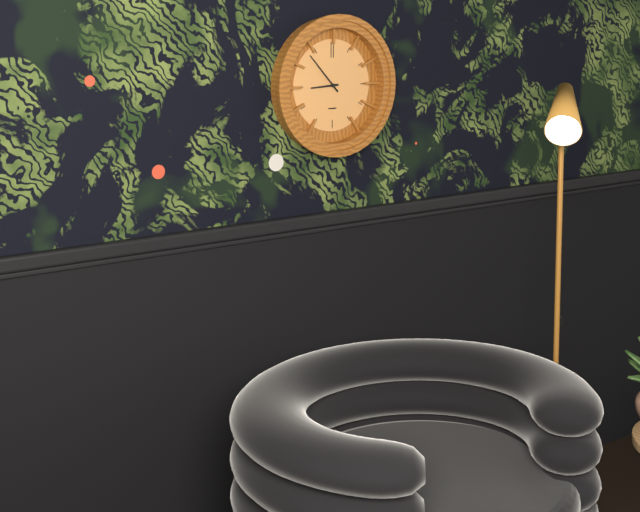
8:53
